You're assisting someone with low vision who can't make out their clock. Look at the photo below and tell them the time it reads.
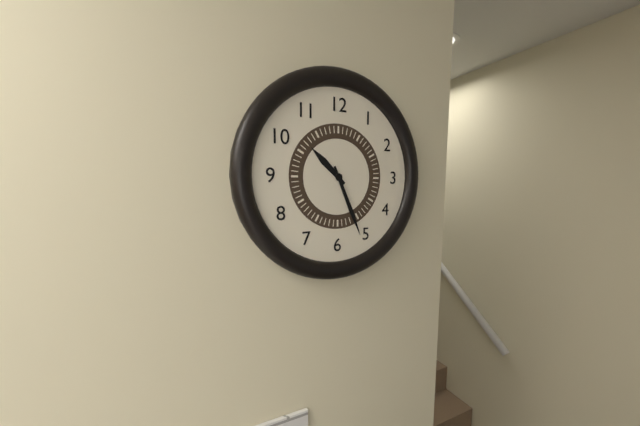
10:26
